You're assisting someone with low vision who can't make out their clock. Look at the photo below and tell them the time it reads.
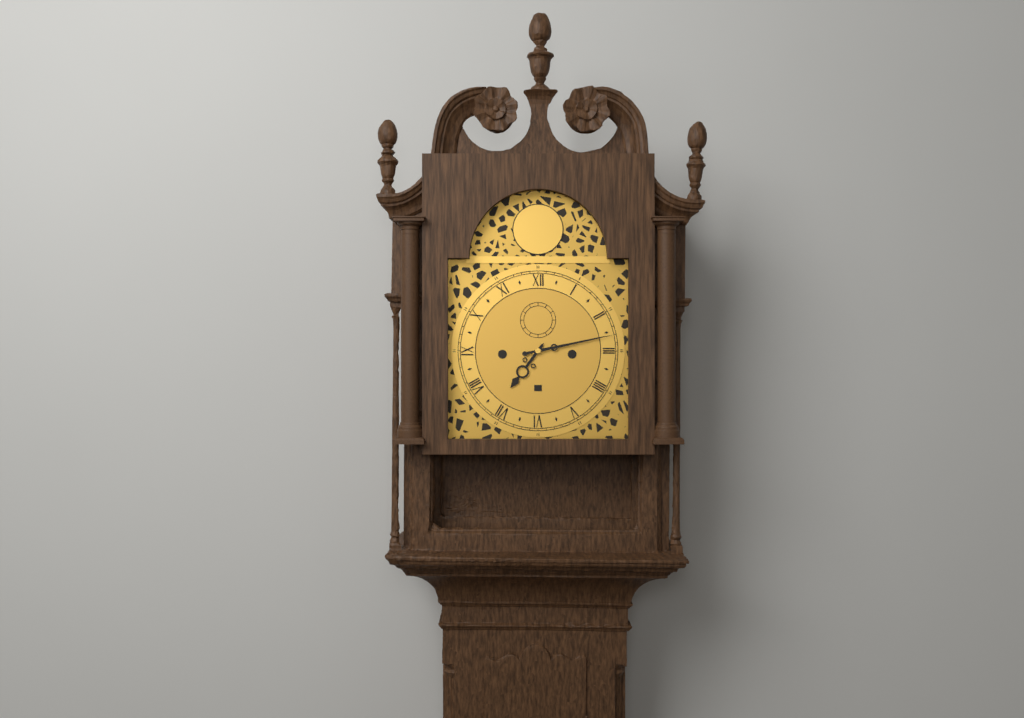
7:13
